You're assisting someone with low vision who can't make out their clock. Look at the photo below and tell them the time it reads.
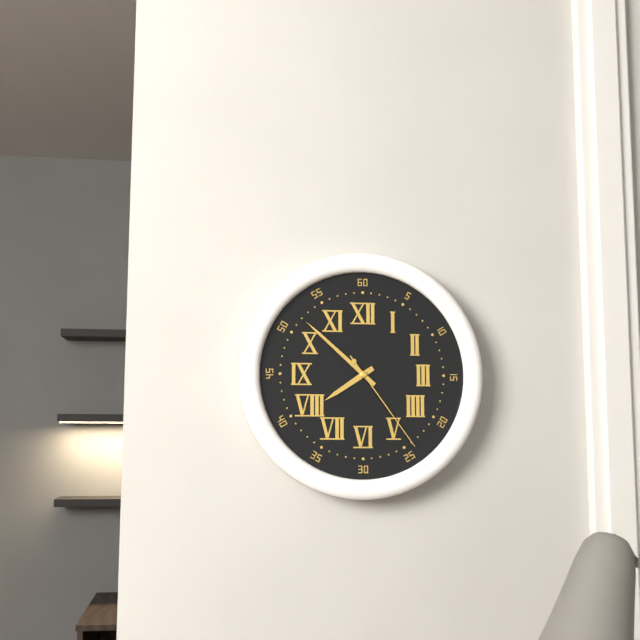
7:52:24
